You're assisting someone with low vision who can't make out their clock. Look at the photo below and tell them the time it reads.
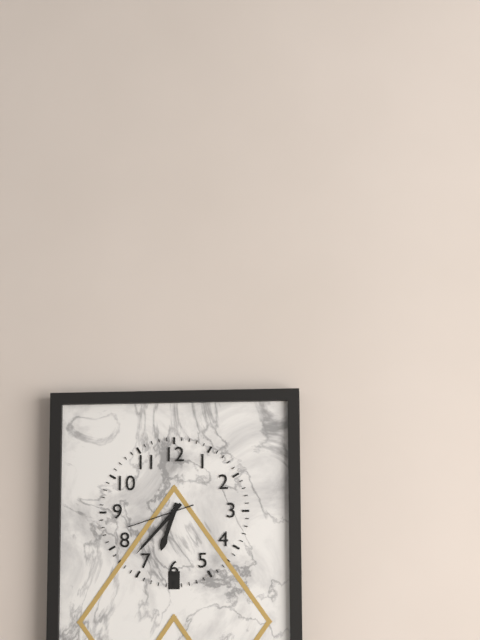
6:37:42
